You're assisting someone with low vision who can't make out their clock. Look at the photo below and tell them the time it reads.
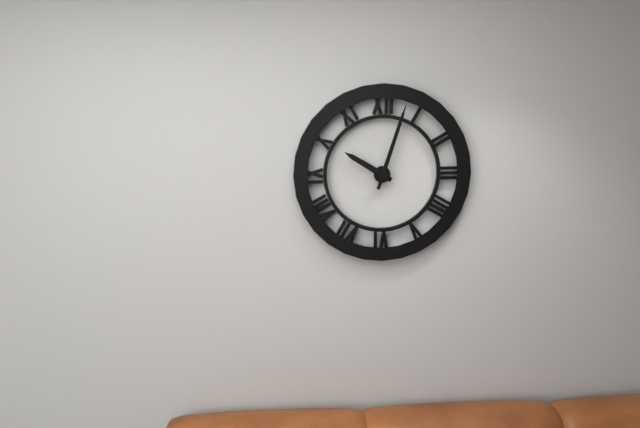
10:03
